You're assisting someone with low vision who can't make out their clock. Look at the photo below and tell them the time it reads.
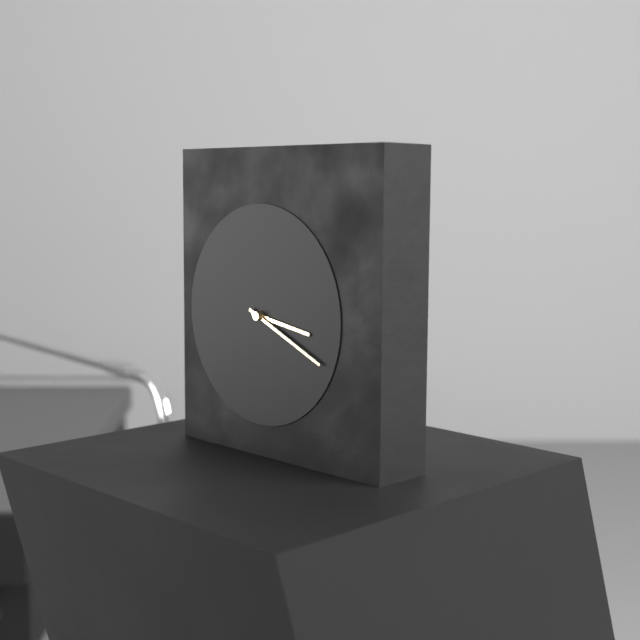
3:19
